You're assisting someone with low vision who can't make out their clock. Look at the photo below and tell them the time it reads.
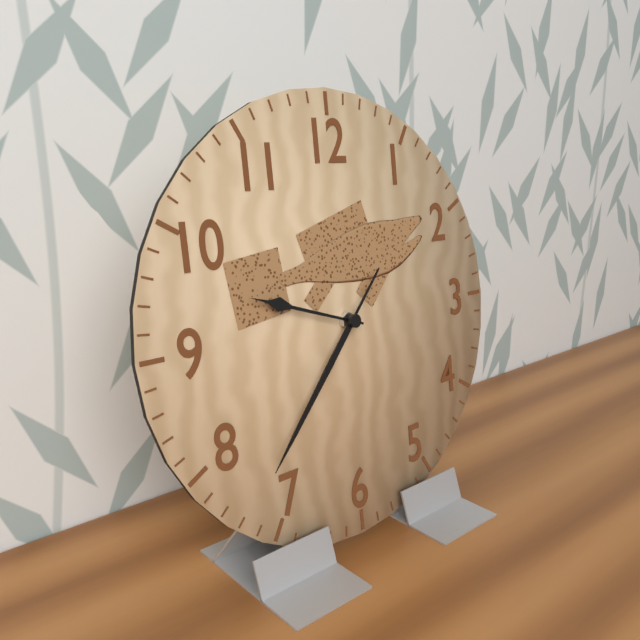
9:37
